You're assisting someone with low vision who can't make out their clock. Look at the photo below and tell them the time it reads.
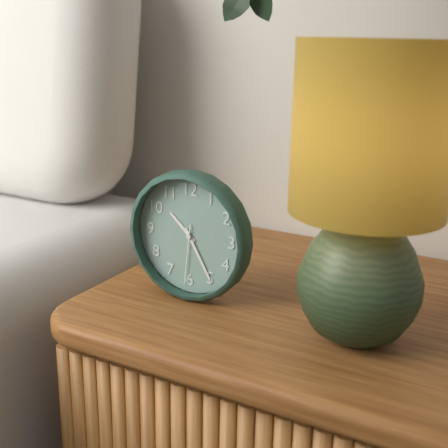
10:25:31
